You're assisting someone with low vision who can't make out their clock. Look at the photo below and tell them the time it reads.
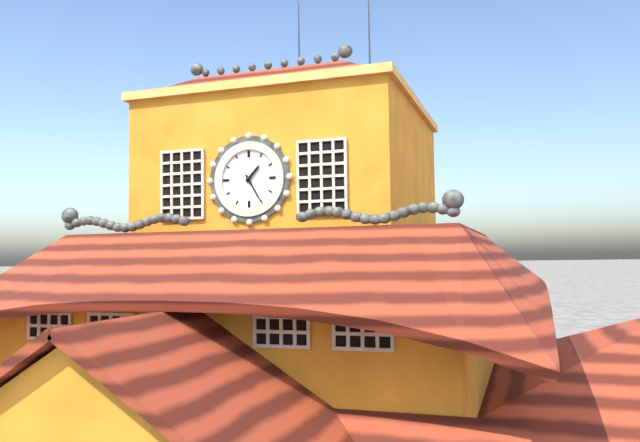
1:25
